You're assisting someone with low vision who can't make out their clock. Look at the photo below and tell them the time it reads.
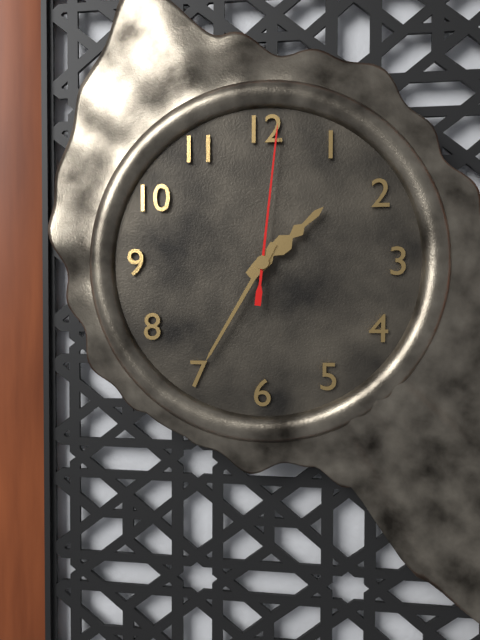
1:35:01
